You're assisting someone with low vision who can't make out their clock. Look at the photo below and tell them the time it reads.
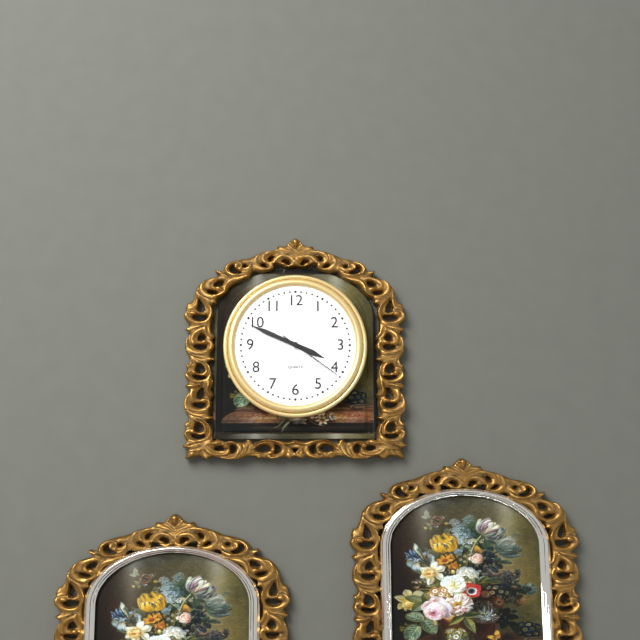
3:49:21
